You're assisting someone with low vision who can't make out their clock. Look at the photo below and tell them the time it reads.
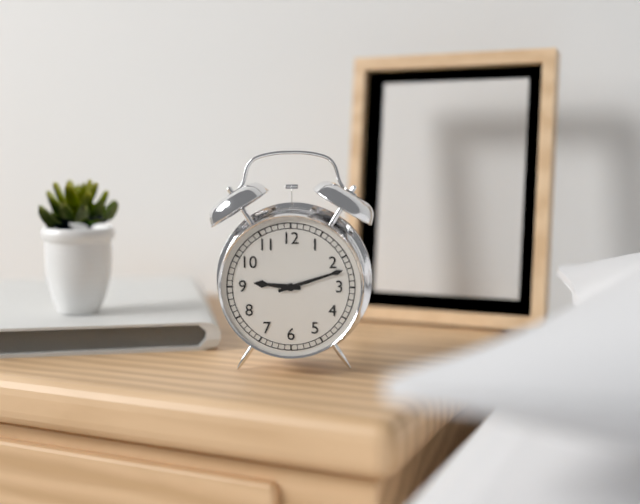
9:12
